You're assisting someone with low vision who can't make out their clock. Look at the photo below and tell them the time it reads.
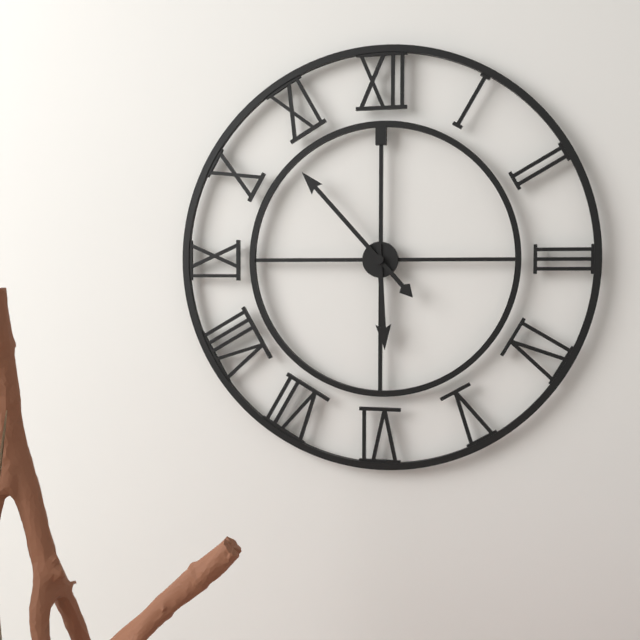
5:53
